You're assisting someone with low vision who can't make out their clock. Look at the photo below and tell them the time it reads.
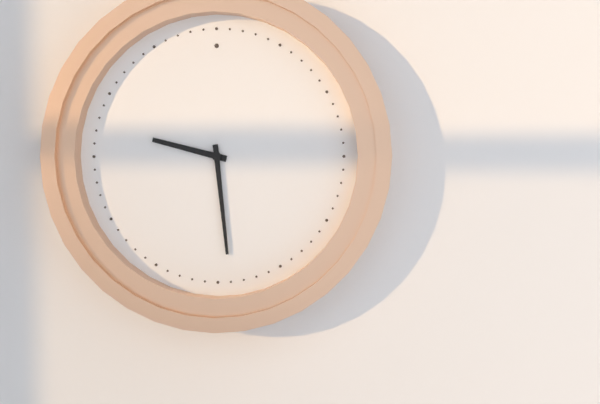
9:29
